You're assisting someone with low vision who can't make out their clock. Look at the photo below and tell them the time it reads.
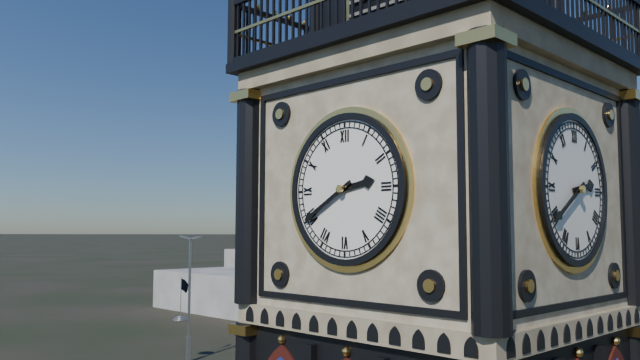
2:40
